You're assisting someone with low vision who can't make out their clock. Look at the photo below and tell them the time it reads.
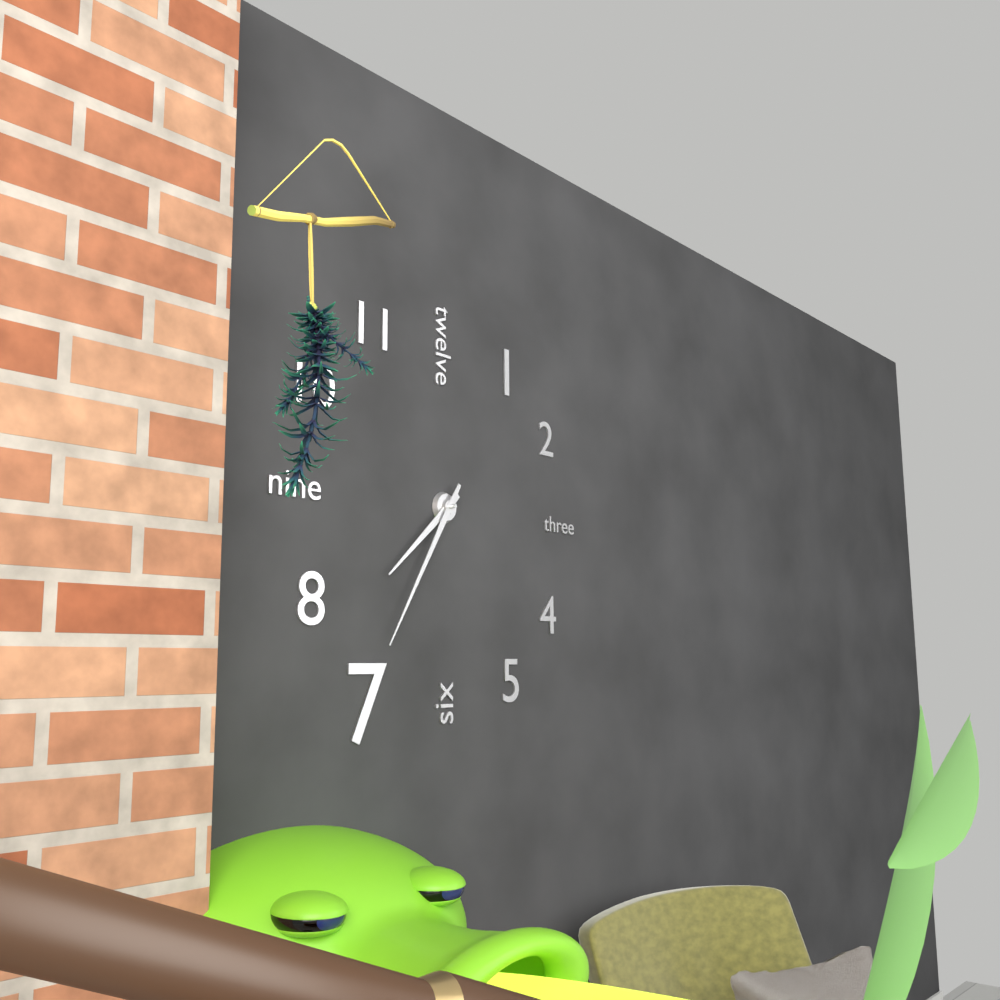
7:35
